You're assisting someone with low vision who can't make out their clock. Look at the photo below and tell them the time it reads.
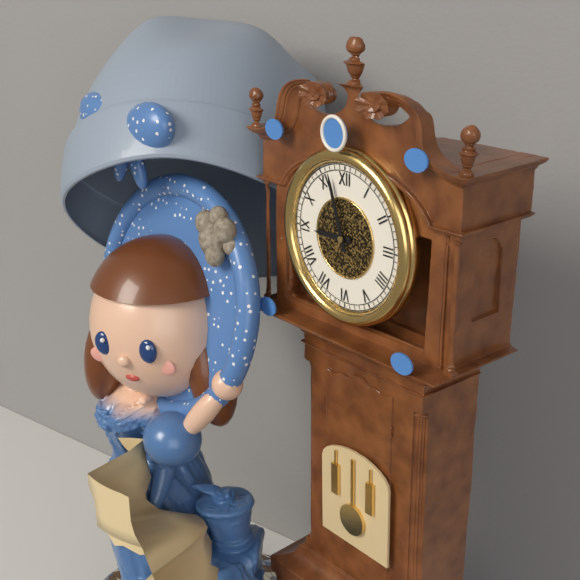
8:57
